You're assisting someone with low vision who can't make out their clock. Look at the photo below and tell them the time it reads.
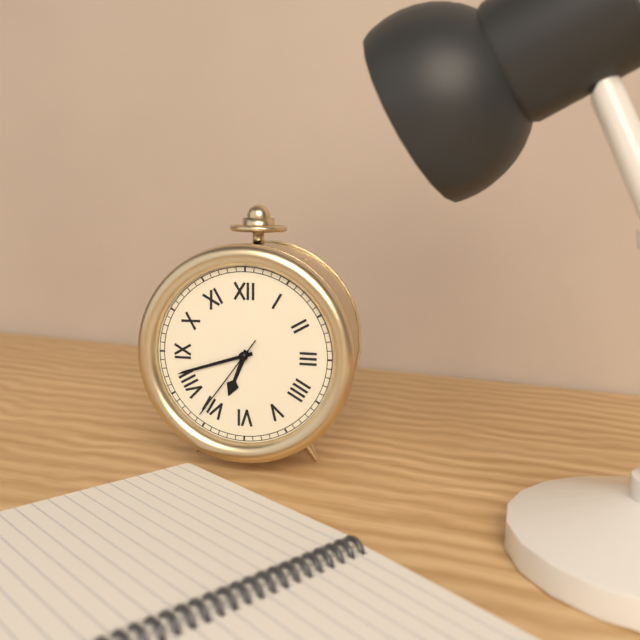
6:42:36
